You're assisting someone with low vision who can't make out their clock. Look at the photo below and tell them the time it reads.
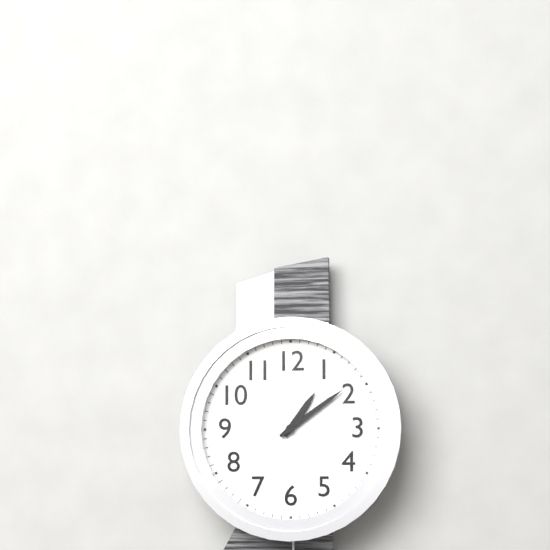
1:09
